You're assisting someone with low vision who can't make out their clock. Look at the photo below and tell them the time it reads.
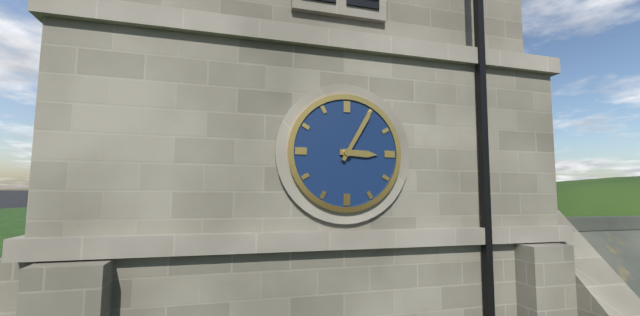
3:05
